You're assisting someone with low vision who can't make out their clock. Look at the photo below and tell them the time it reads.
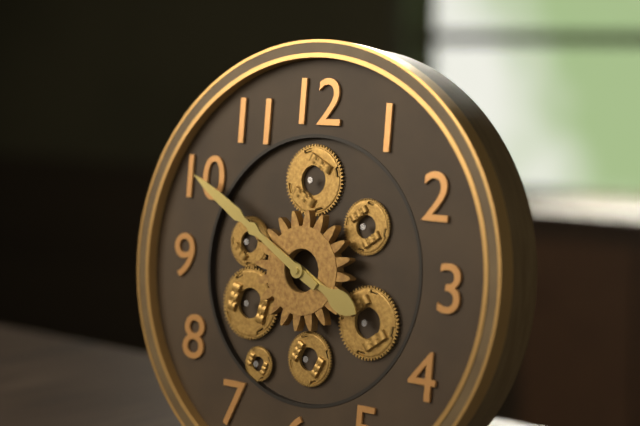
3:50
